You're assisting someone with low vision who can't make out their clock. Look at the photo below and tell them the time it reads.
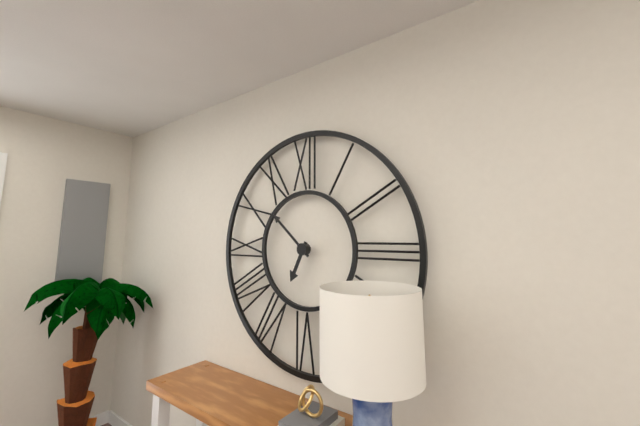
6:52
